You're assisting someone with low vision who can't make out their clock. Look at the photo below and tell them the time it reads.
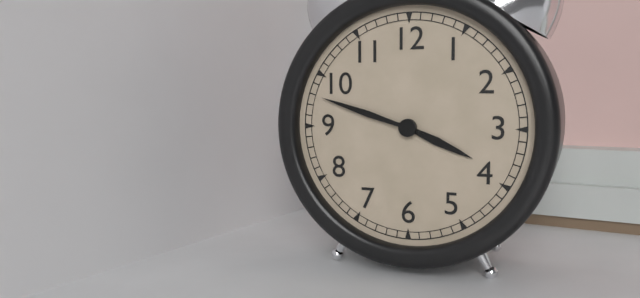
3:48
